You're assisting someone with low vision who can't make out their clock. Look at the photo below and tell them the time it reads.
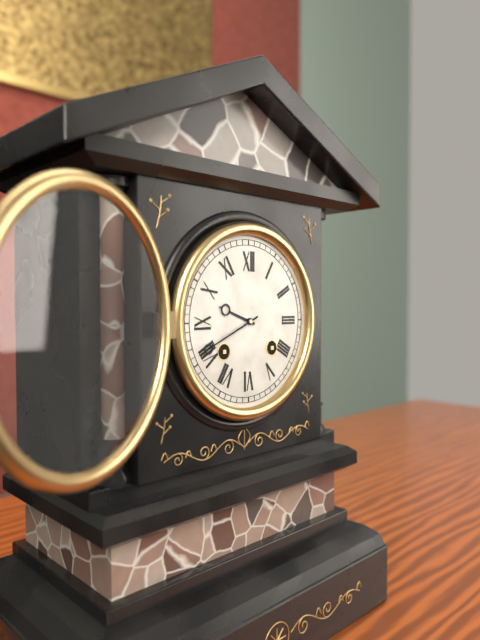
9:41
